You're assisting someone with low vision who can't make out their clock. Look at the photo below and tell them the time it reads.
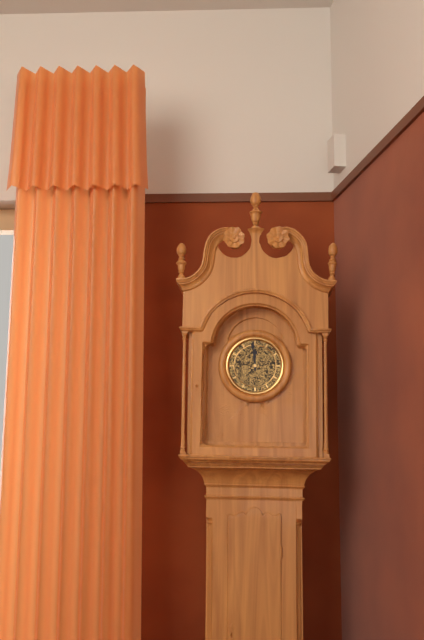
11:59
